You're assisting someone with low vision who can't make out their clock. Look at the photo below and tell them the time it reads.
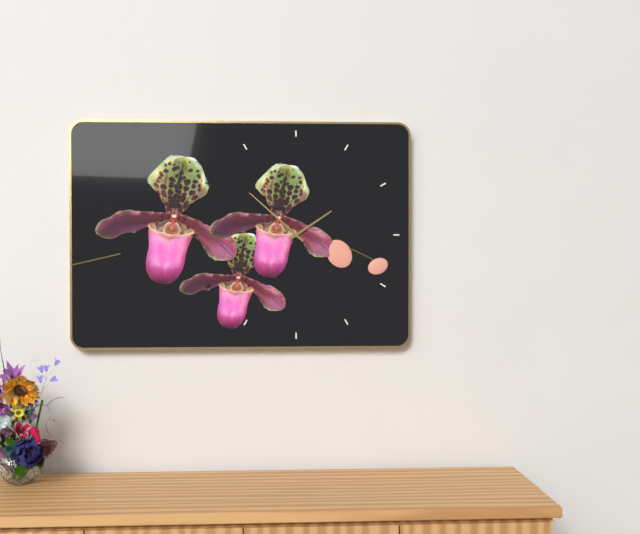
1:52
